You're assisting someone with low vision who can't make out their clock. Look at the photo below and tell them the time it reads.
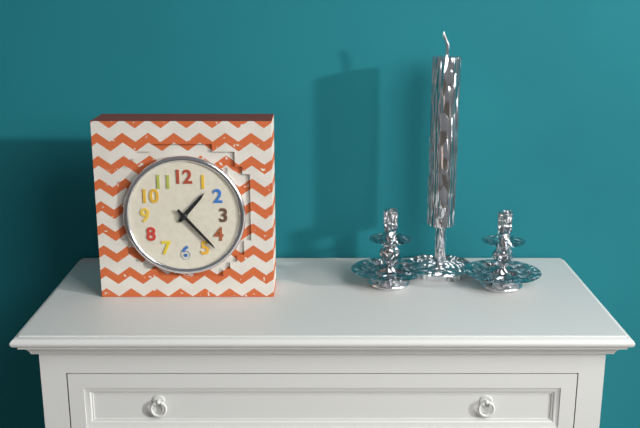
1:23
